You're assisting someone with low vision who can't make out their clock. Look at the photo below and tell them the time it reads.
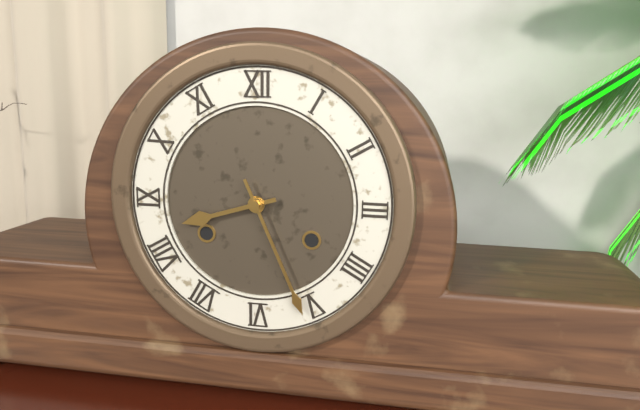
8:26
